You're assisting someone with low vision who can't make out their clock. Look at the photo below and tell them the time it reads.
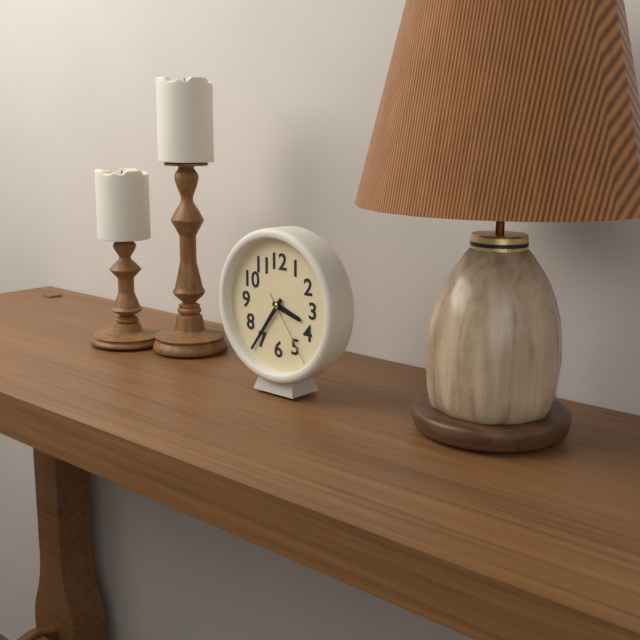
3:36:24
